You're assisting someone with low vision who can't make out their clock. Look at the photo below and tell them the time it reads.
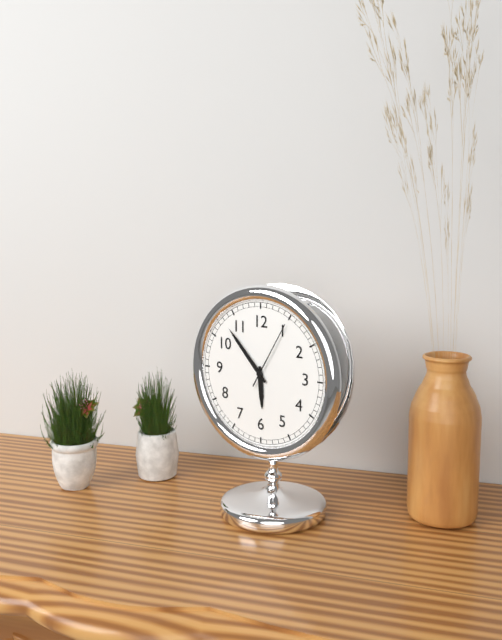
5:53:05
